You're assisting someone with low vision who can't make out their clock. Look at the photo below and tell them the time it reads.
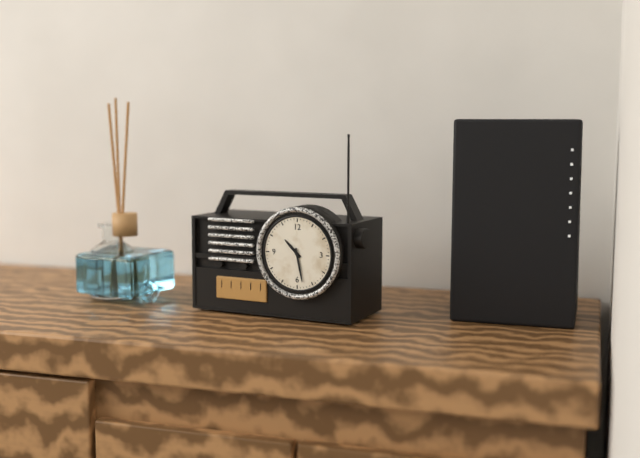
10:28
